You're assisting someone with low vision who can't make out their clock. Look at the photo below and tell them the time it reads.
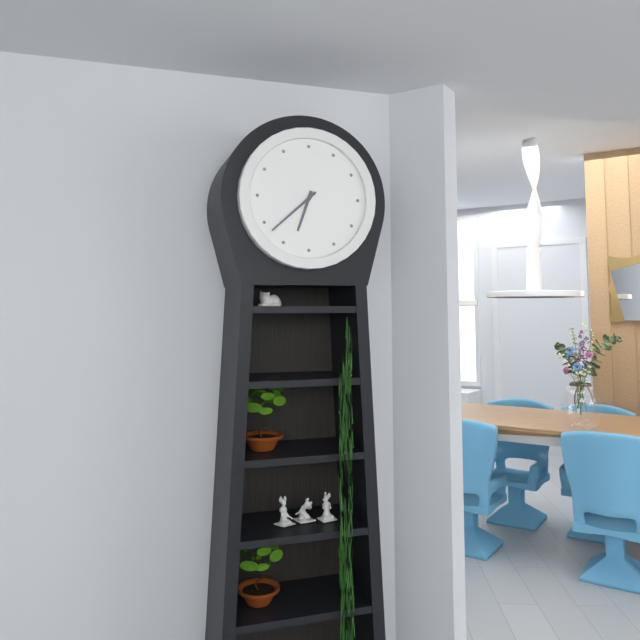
6:38
